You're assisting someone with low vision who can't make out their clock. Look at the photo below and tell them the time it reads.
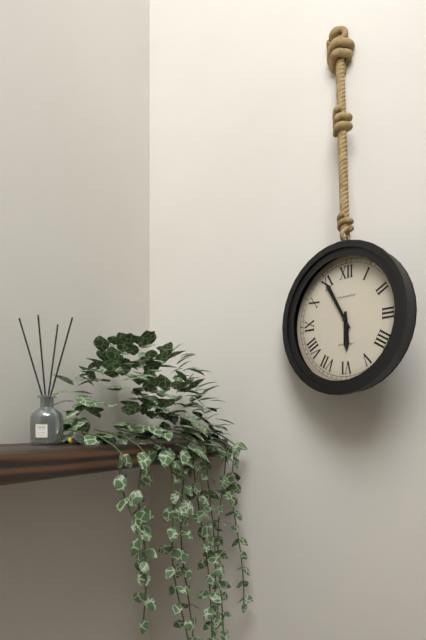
5:55
